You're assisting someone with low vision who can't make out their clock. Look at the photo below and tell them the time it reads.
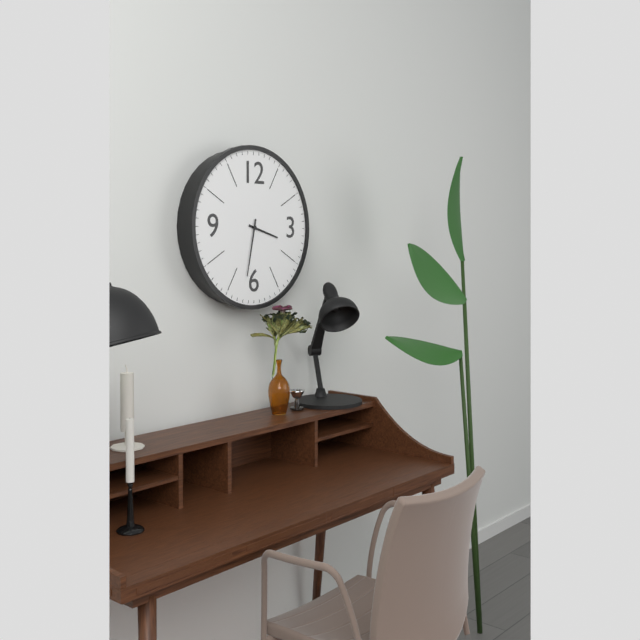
3:32
